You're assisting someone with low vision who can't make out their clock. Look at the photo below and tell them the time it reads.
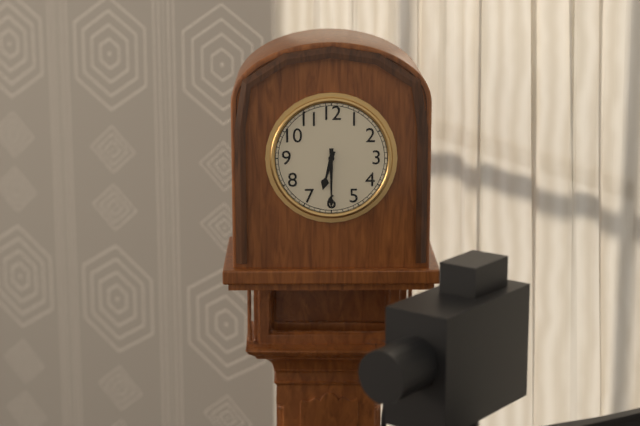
6:30
